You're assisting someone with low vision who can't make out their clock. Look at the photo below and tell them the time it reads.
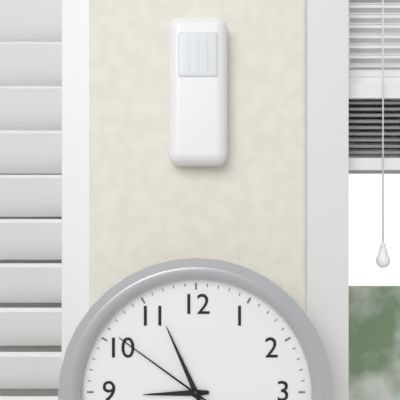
8:56:51
